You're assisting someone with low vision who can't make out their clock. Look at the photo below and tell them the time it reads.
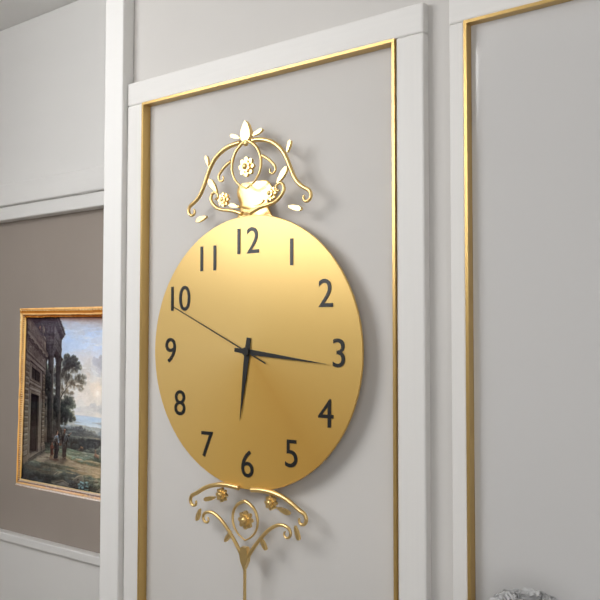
6:16:49
